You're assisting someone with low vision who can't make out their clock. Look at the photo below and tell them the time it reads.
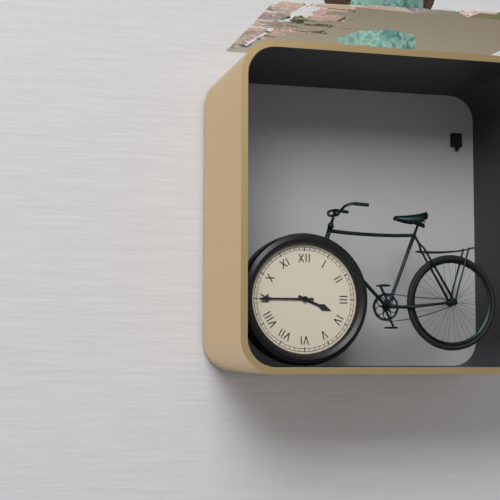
3:45
